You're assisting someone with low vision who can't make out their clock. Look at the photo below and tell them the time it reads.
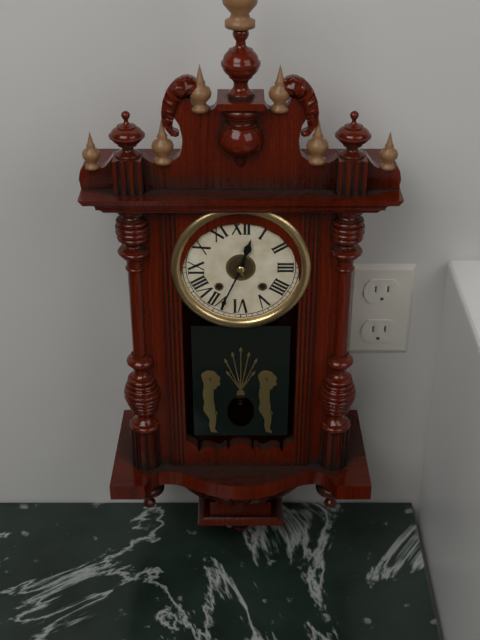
12:34
